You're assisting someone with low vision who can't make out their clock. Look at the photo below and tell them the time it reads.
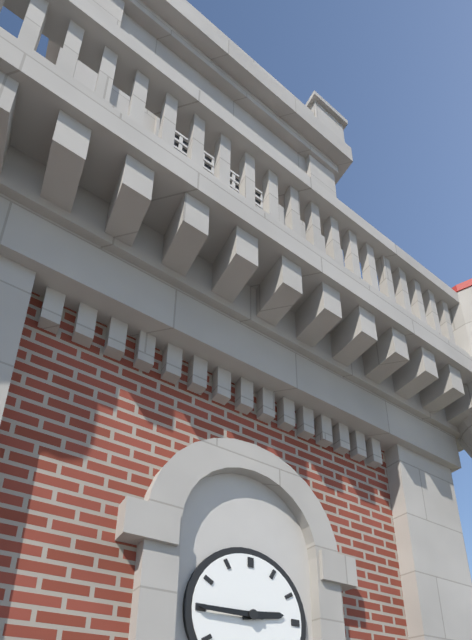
2:45
